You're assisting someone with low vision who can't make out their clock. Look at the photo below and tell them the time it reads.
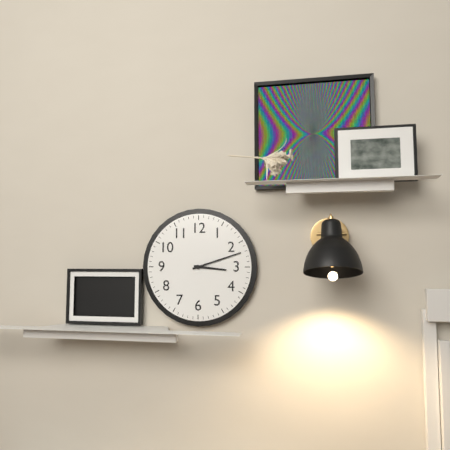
3:12
